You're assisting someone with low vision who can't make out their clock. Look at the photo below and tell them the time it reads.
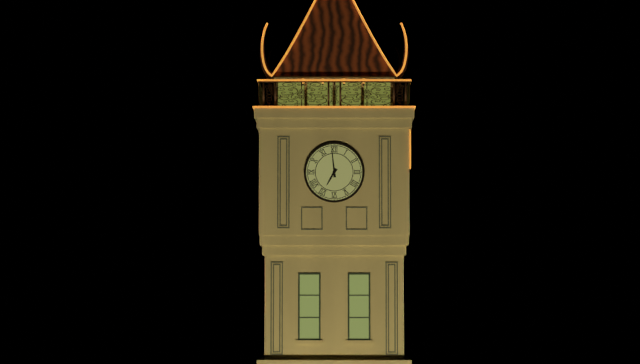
6:59
